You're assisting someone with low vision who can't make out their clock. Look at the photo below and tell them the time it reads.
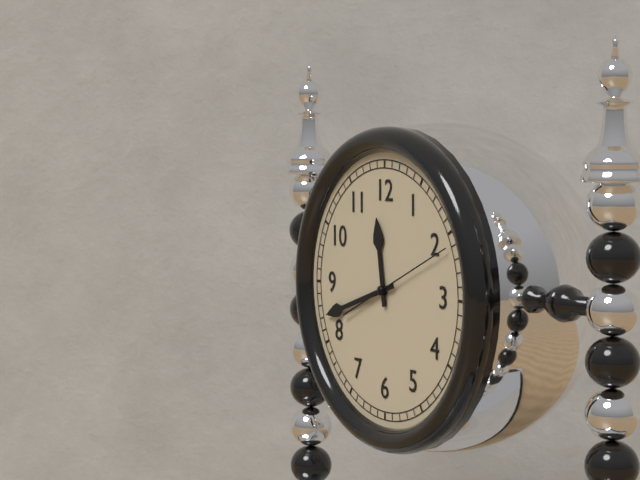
11:42:11
